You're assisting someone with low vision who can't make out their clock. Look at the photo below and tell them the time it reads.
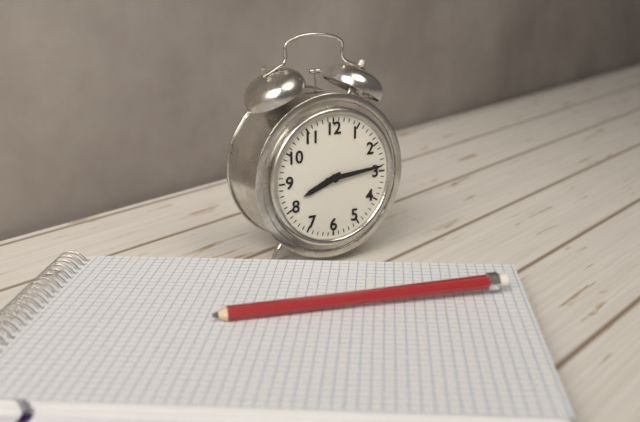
8:14
